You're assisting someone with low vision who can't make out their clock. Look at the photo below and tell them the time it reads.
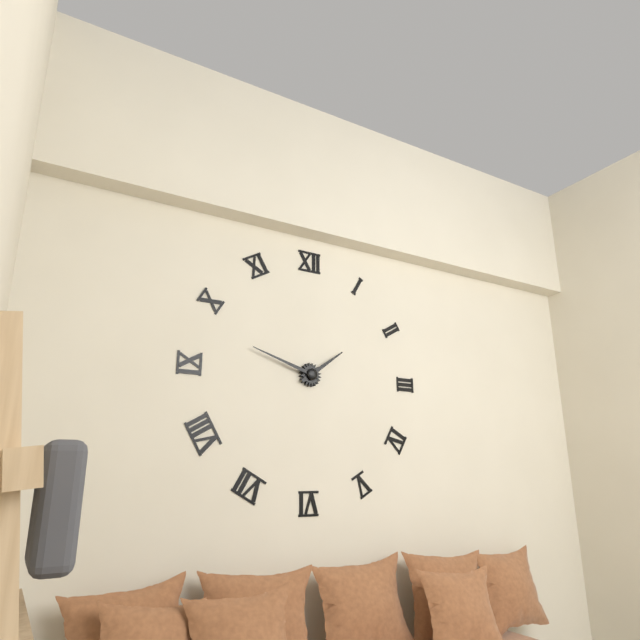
1:48
